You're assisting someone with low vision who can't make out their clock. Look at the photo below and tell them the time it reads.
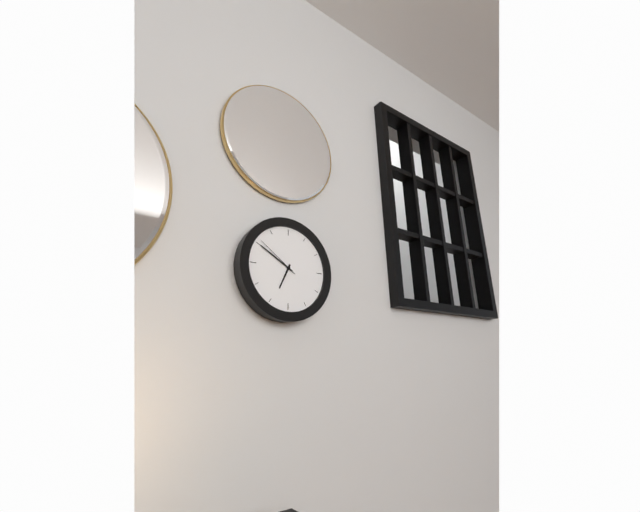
6:50
